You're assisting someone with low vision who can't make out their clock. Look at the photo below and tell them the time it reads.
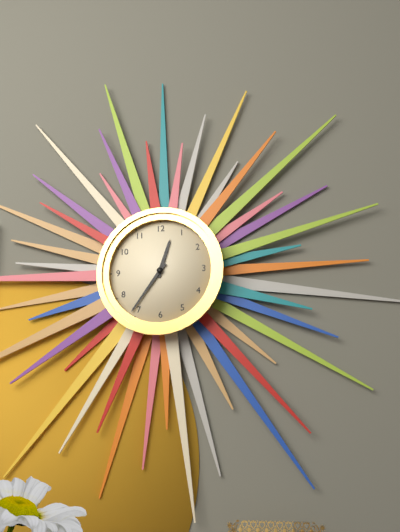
12:36
